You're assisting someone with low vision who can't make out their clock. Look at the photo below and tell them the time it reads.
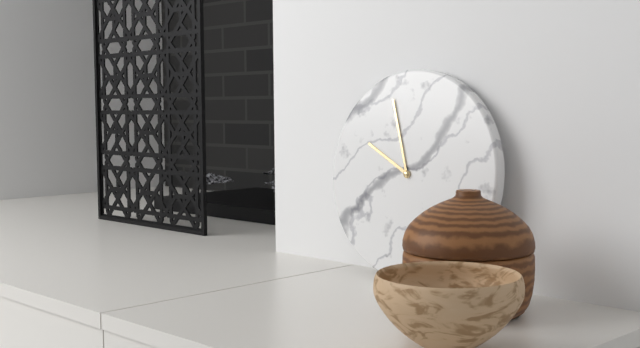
9:57
